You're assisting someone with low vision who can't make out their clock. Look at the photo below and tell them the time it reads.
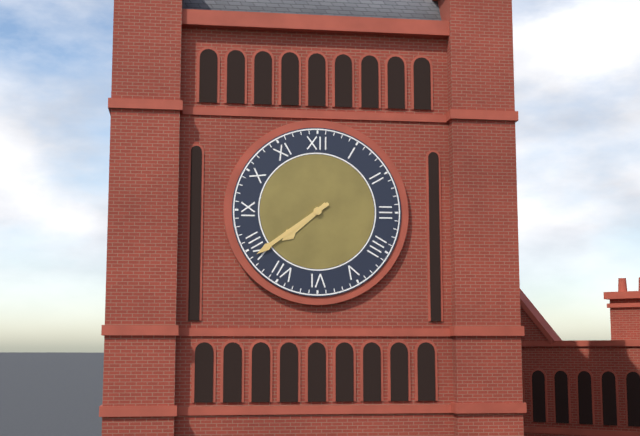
7:39
